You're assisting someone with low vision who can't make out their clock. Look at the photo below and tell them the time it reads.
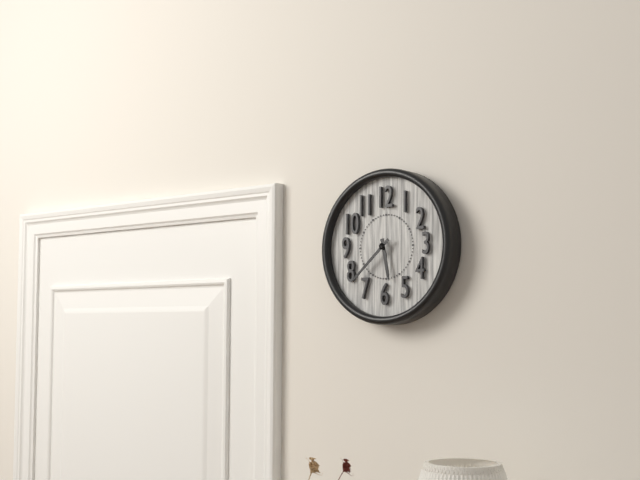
5:38
